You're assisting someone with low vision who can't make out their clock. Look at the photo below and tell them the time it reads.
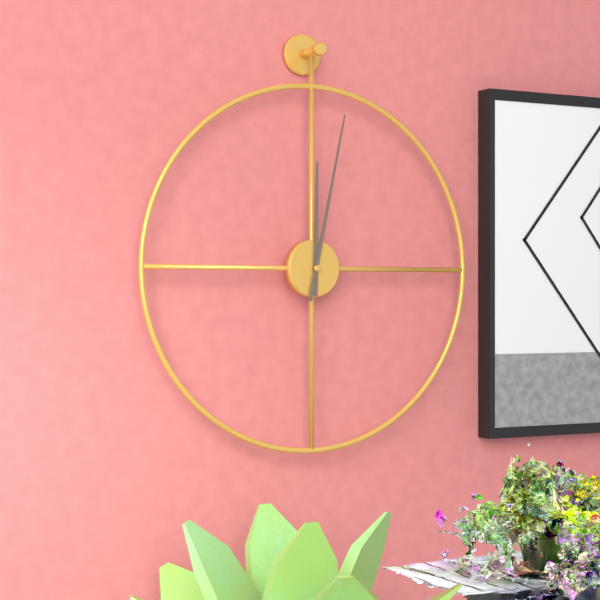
12:02
